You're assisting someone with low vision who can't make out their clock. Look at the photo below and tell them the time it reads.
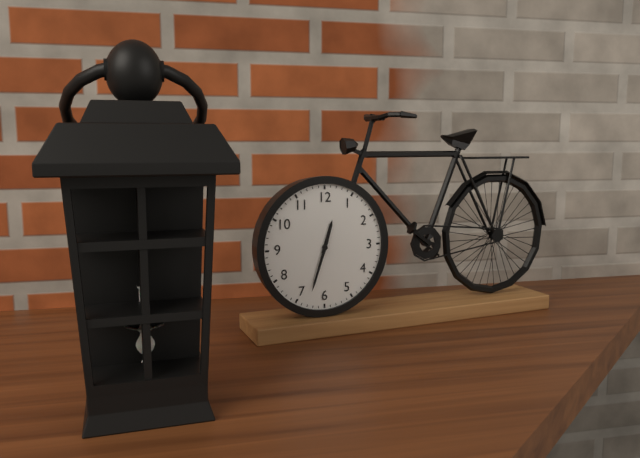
12:33
